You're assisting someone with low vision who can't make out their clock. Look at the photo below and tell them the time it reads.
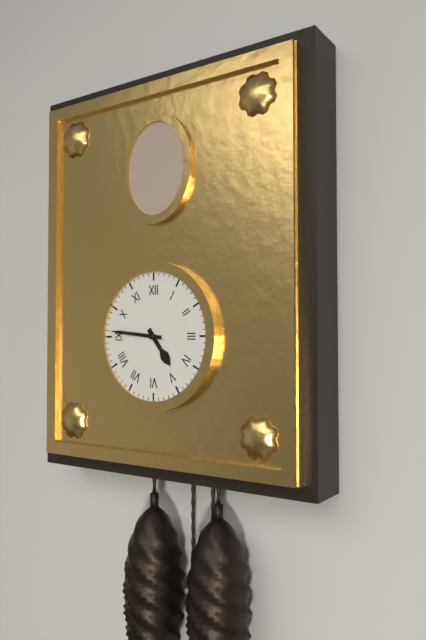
4:46
